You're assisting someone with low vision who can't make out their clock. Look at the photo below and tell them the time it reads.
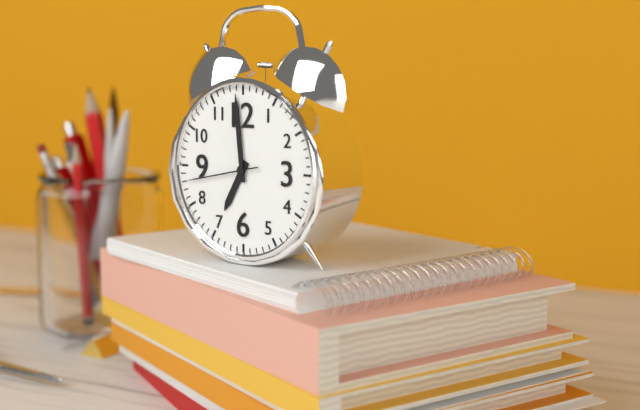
6:59:43
